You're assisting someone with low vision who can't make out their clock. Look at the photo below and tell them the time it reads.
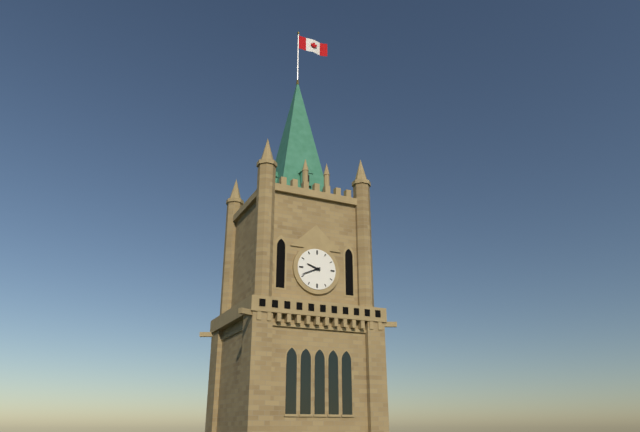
9:41
